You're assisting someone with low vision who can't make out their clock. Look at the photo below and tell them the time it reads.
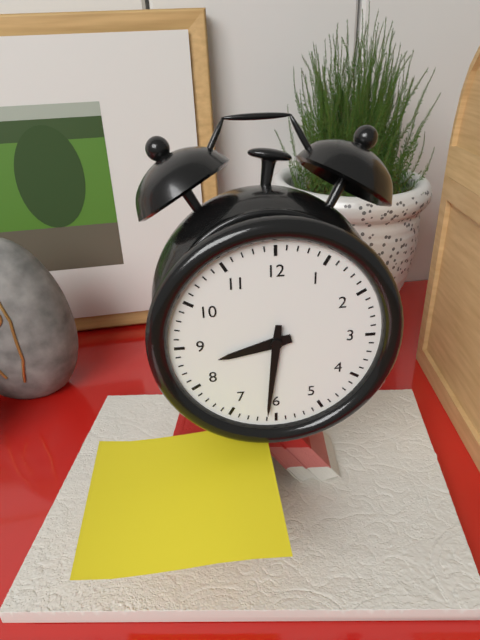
8:31
